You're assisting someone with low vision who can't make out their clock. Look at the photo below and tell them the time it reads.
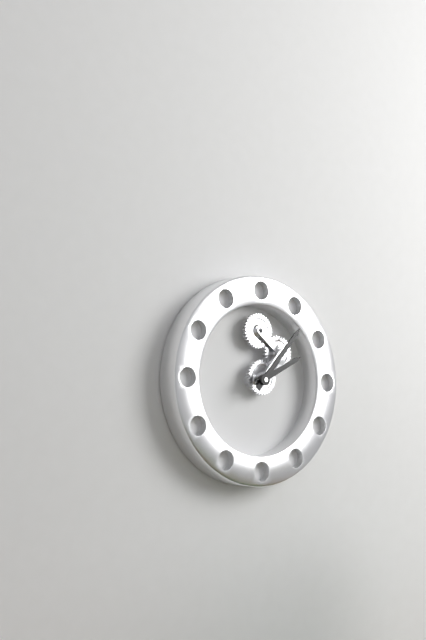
2:07
